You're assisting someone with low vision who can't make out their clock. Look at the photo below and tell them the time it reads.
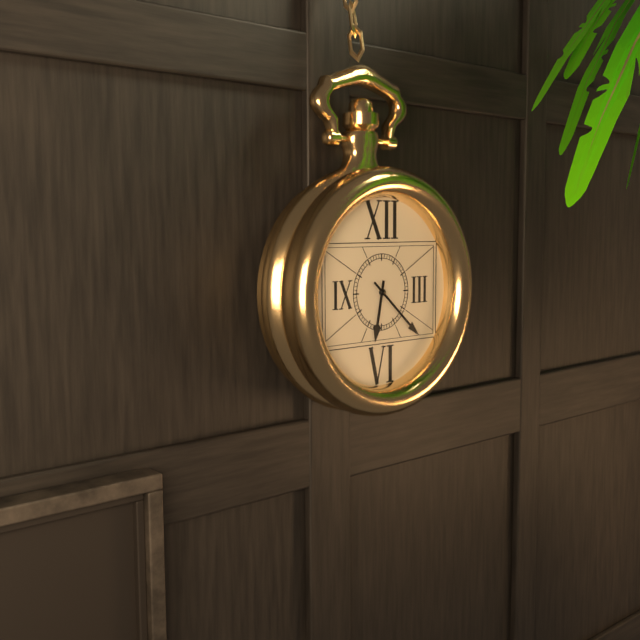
6:22
